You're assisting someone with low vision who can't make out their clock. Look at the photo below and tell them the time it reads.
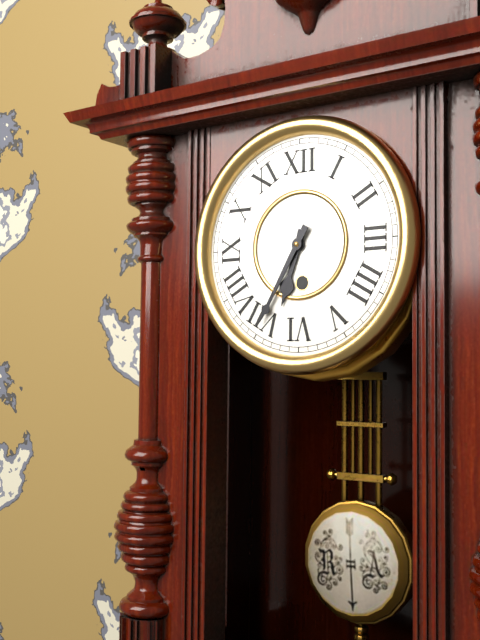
6:35
